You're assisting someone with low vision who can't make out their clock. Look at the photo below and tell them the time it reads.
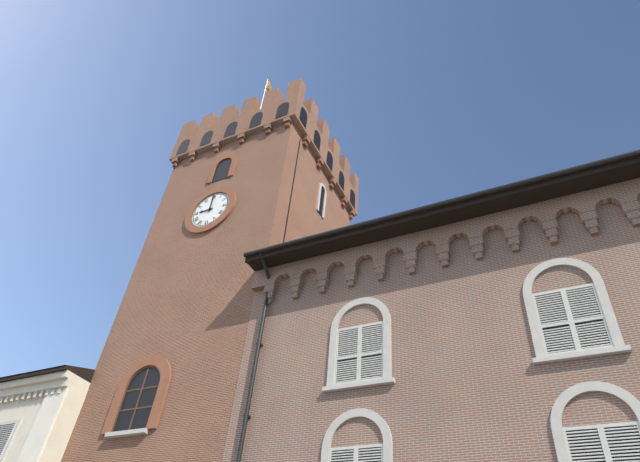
9:00
